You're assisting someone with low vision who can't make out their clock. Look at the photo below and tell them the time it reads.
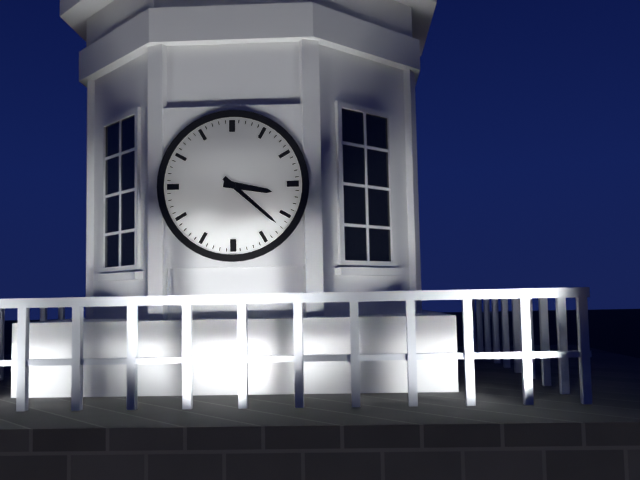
3:22
